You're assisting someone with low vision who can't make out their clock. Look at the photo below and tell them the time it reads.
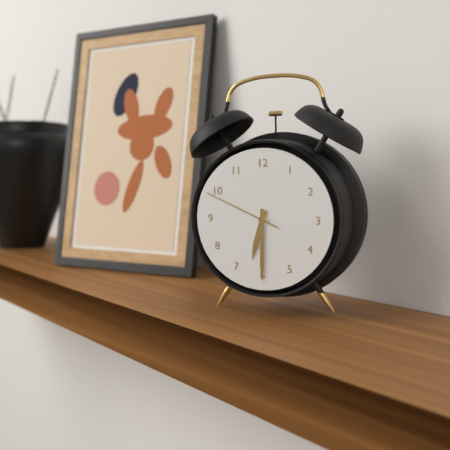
6:30:49
